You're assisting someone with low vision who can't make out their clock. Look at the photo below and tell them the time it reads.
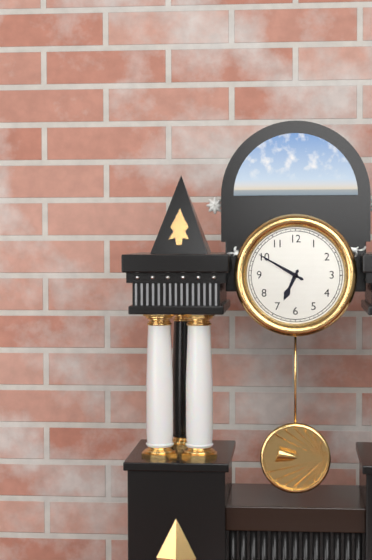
6:50
